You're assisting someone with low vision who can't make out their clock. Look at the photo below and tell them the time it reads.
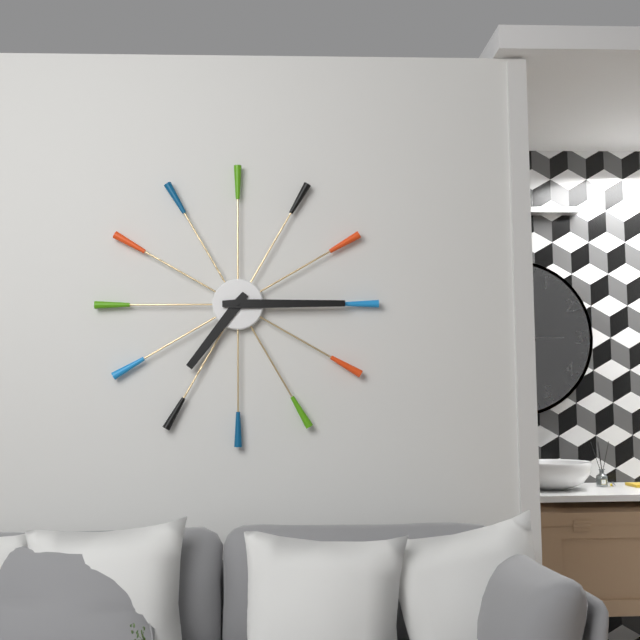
7:15
